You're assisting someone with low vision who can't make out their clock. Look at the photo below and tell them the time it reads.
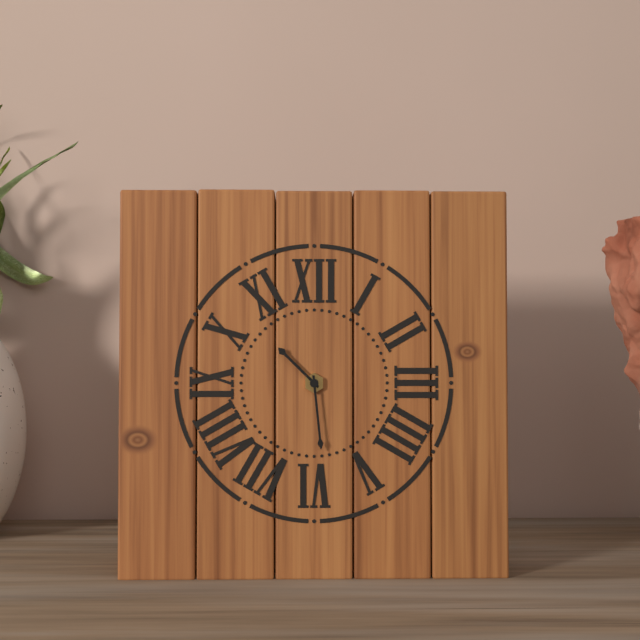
10:29
